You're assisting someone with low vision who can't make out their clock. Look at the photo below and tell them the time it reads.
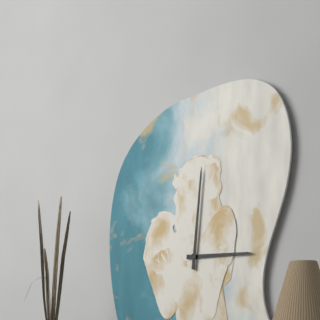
3:01
